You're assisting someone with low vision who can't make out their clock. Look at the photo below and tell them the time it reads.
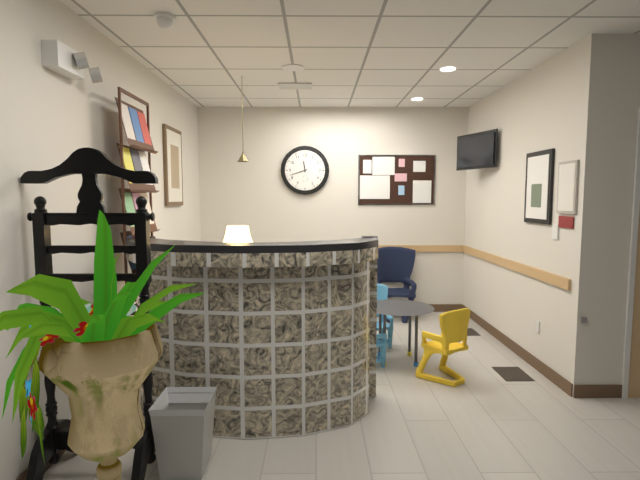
11:42
